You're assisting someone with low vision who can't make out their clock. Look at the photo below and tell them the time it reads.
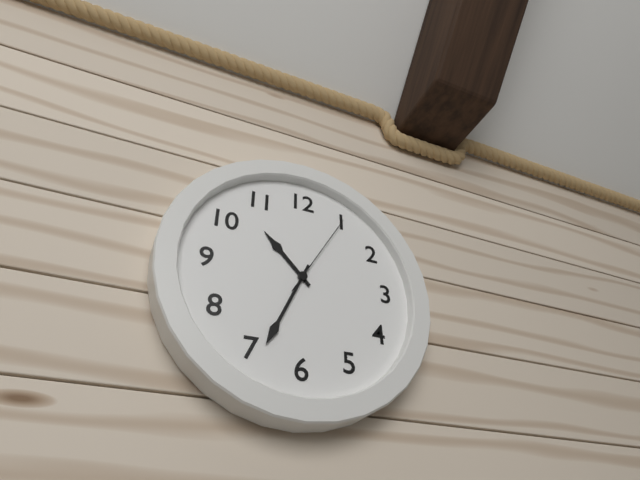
10:34:05
